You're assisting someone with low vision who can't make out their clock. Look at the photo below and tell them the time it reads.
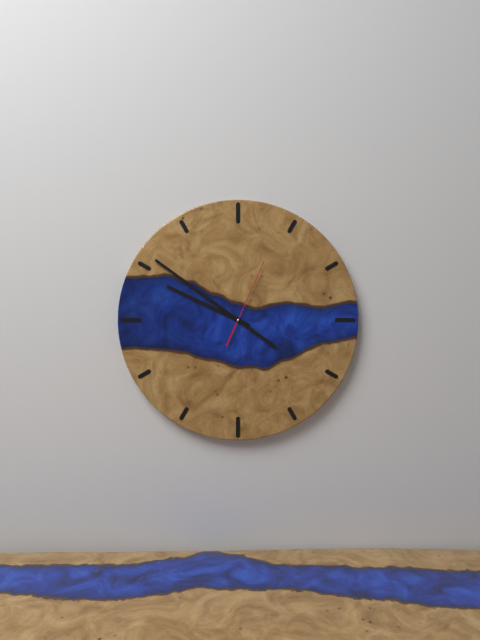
9:51:04
